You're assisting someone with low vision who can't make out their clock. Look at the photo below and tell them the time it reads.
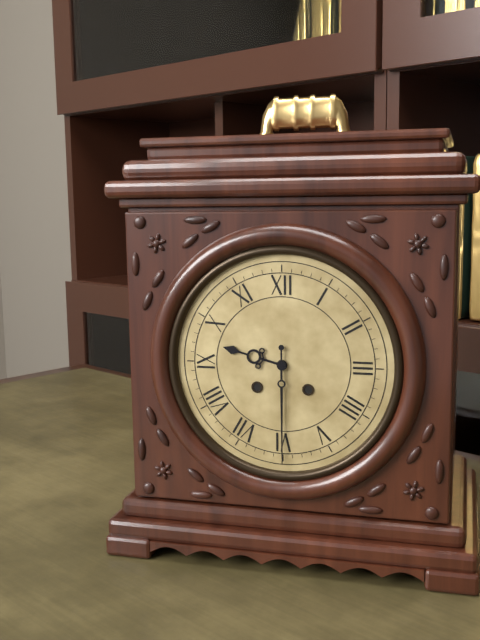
9:30
